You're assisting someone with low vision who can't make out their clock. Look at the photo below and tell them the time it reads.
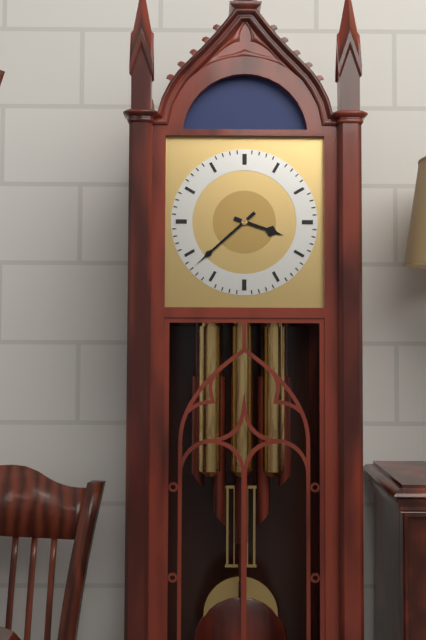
3:38
